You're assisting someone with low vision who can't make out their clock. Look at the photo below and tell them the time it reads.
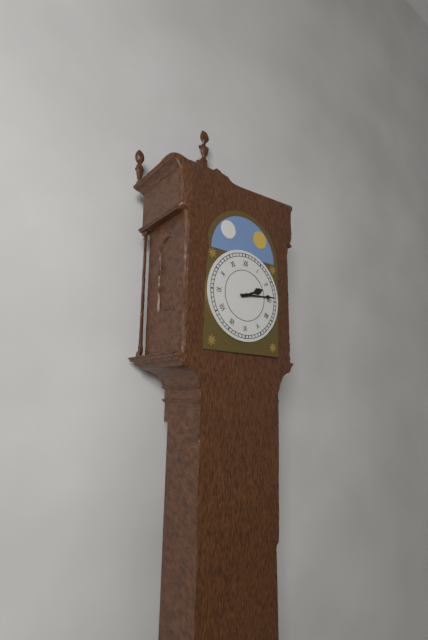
2:14
